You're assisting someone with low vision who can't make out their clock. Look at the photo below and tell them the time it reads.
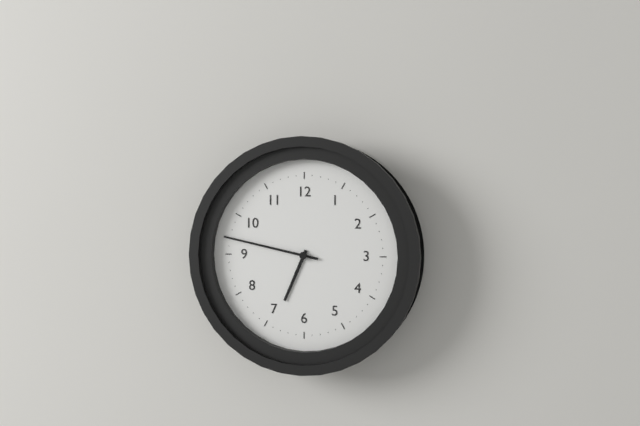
6:47
